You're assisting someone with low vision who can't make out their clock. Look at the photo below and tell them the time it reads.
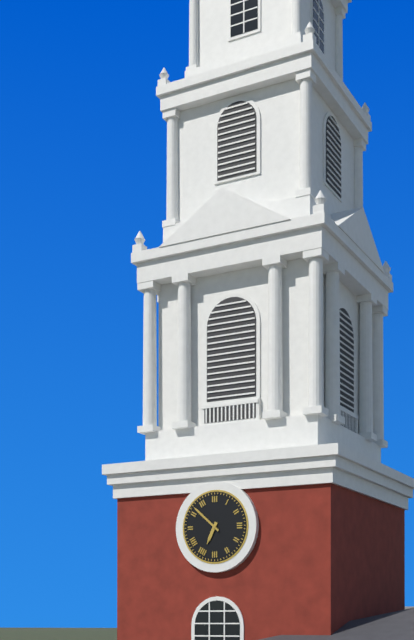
6:52
